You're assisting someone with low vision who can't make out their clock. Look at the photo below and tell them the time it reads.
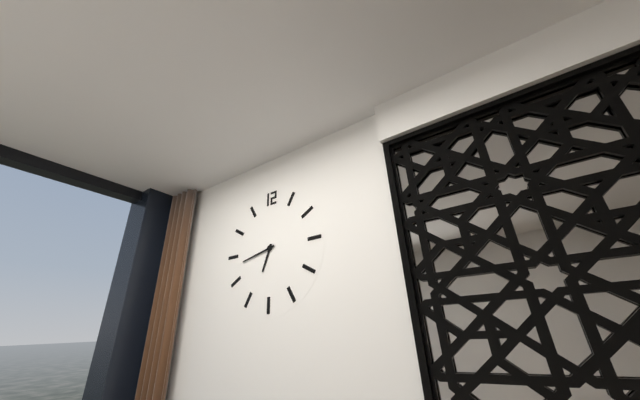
6:43
